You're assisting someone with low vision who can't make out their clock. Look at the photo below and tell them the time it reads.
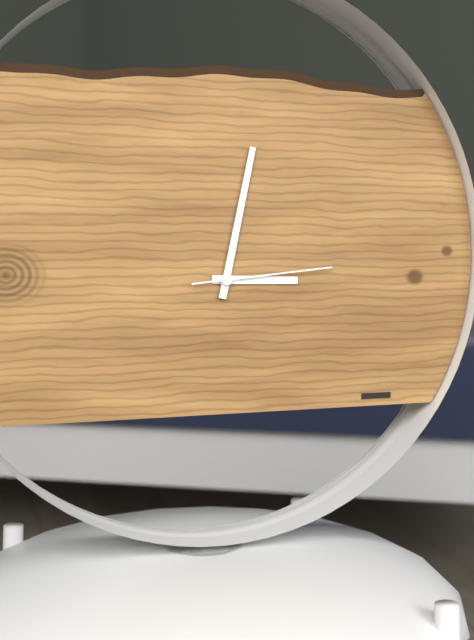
3:02:14
